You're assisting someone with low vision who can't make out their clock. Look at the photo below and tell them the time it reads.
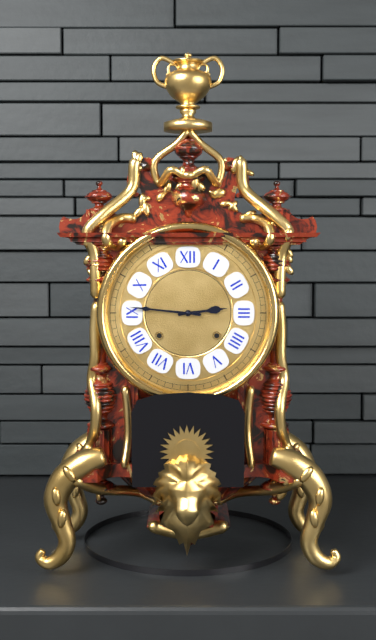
2:46
